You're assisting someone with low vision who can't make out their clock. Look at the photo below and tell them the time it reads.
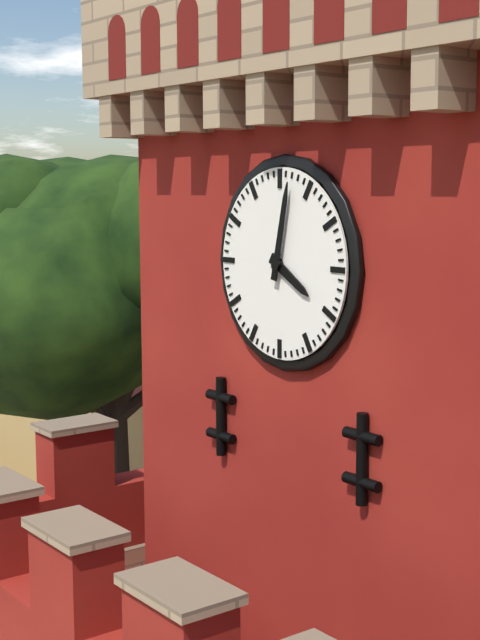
4:02
